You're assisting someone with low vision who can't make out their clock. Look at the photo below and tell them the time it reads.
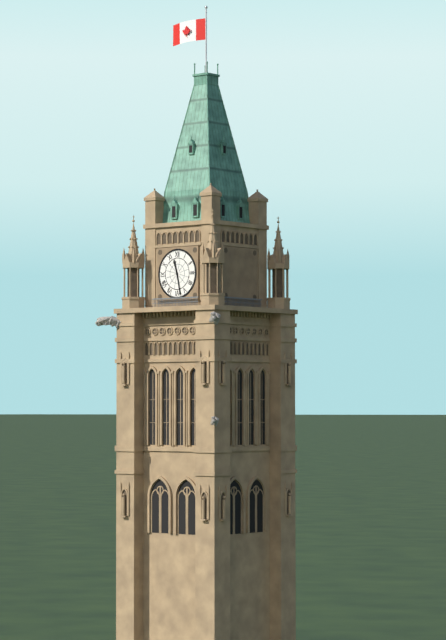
11:28
